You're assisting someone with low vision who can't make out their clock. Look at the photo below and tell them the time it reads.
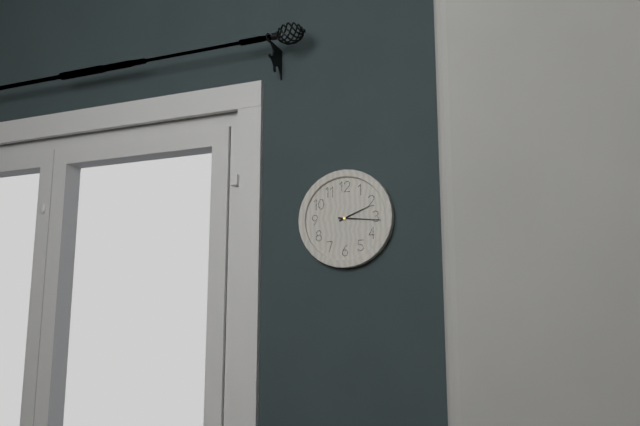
2:16
